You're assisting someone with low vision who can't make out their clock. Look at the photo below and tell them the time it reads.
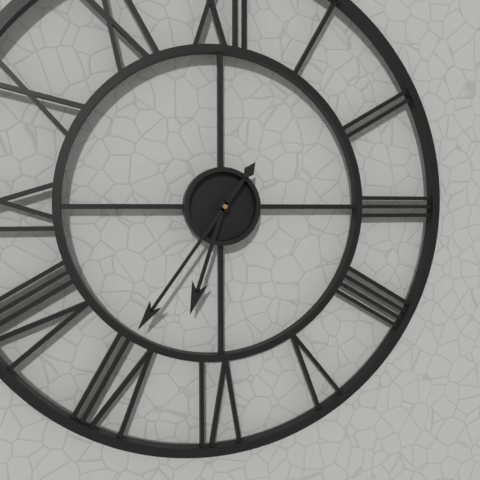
6:36
